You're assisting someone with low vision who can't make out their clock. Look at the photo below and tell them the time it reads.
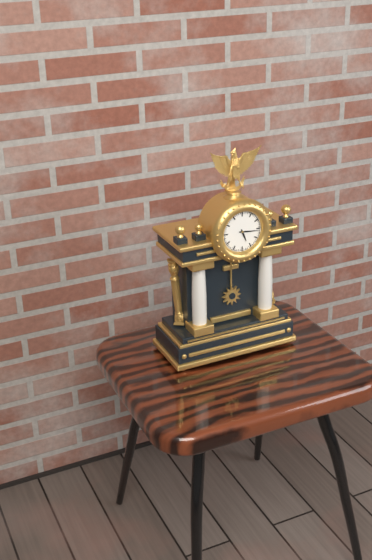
5:16
